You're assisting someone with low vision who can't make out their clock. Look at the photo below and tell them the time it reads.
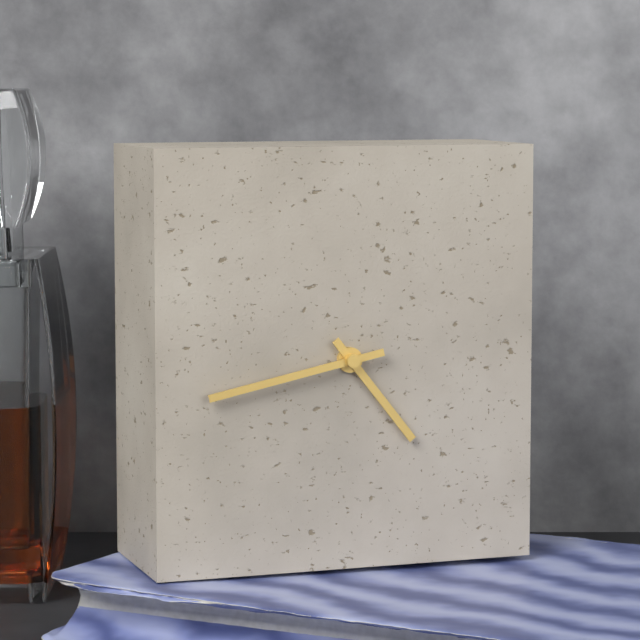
4:43
